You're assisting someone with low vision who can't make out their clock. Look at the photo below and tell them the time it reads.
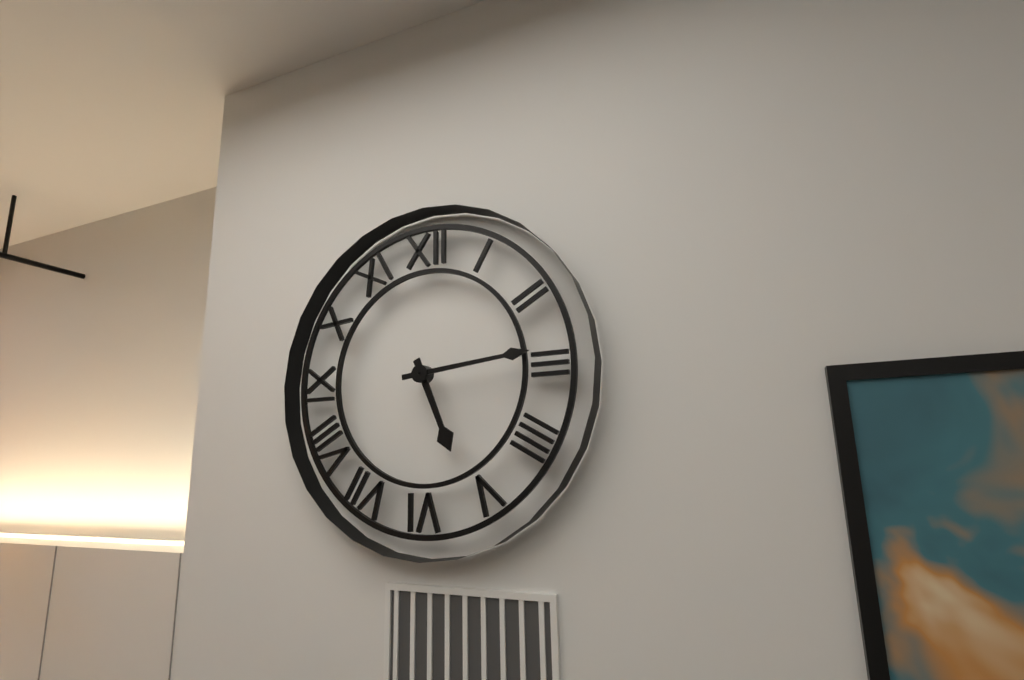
5:14
